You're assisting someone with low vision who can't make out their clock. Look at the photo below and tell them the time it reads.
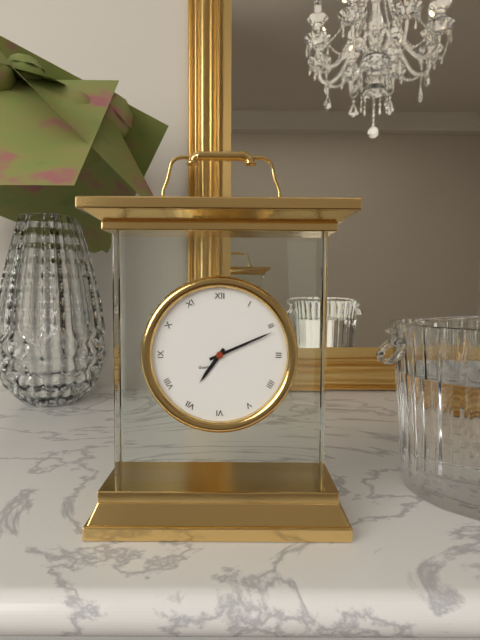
7:11
